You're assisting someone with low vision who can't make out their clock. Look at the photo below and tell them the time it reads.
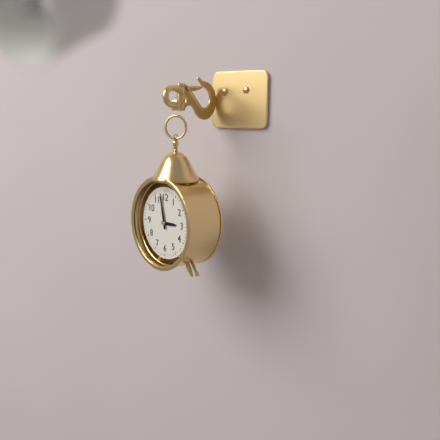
2:58
